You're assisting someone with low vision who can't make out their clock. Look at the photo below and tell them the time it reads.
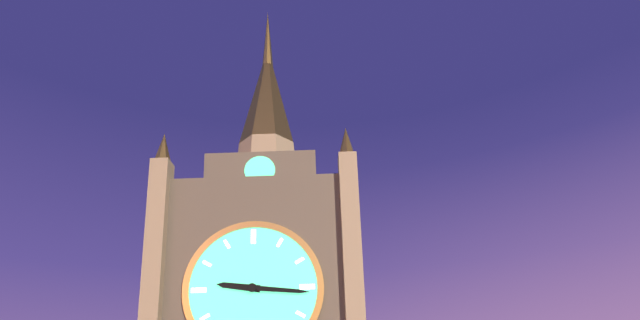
9:16
